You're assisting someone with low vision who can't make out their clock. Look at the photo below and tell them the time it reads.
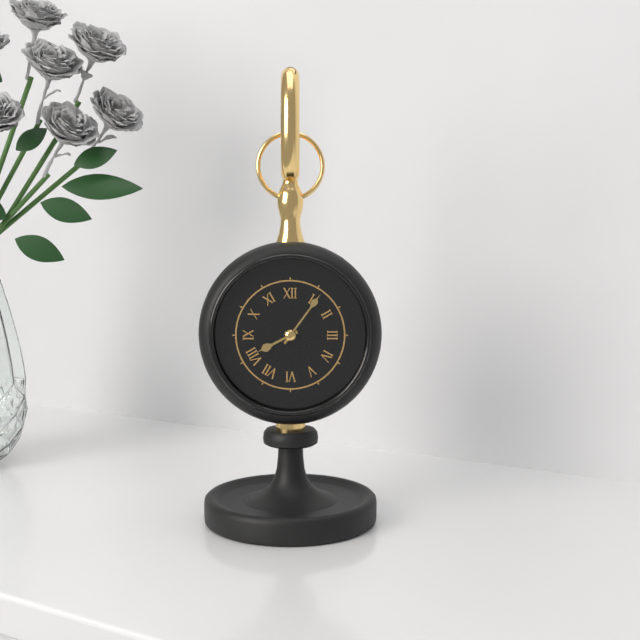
8:06
